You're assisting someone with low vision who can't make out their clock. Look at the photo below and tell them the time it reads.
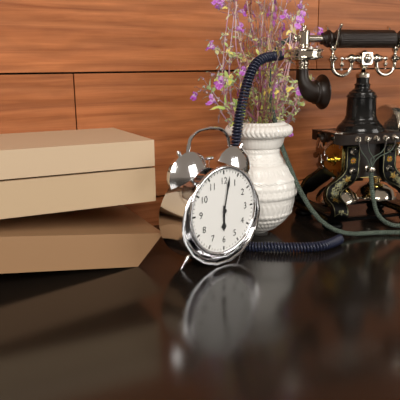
6:02
